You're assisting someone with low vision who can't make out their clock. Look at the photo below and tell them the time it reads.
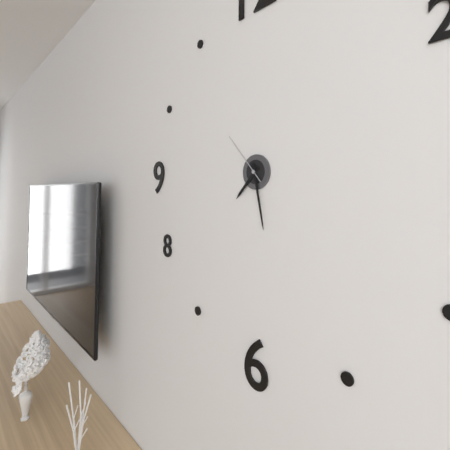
7:28:53
